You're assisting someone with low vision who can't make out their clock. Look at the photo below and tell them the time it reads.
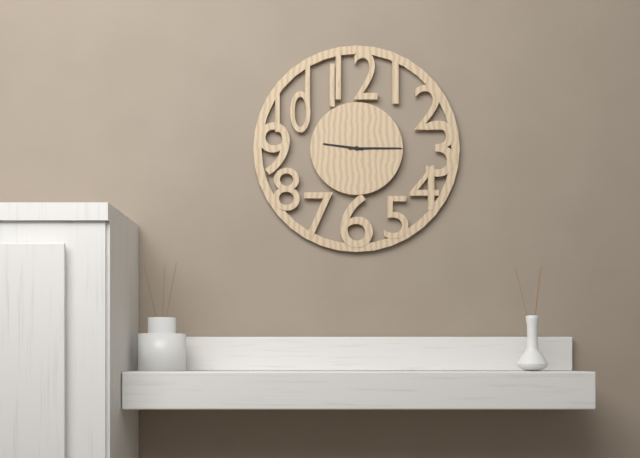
9:15
